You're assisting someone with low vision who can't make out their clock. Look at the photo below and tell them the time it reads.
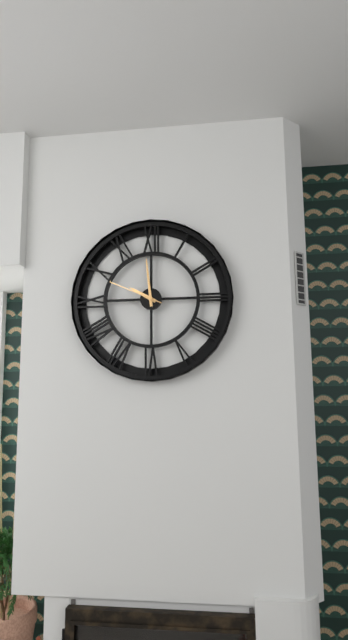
9:59:49
